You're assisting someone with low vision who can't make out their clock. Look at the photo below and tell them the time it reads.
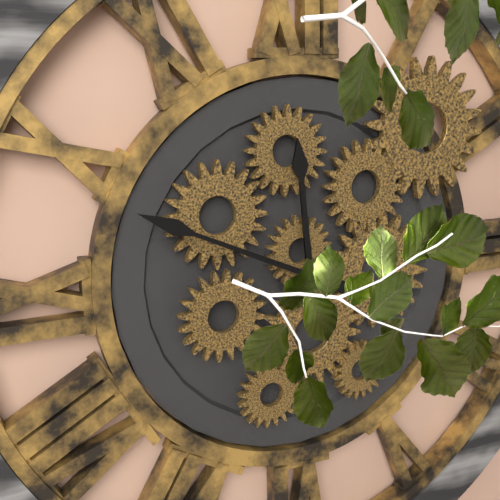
11:49
